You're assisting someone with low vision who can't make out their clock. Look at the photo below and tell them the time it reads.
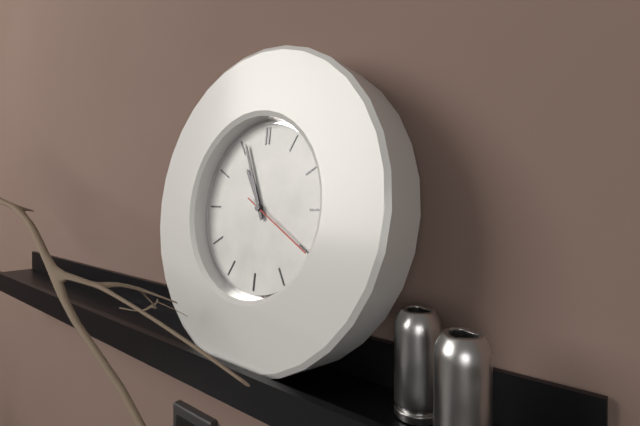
10:56:20
